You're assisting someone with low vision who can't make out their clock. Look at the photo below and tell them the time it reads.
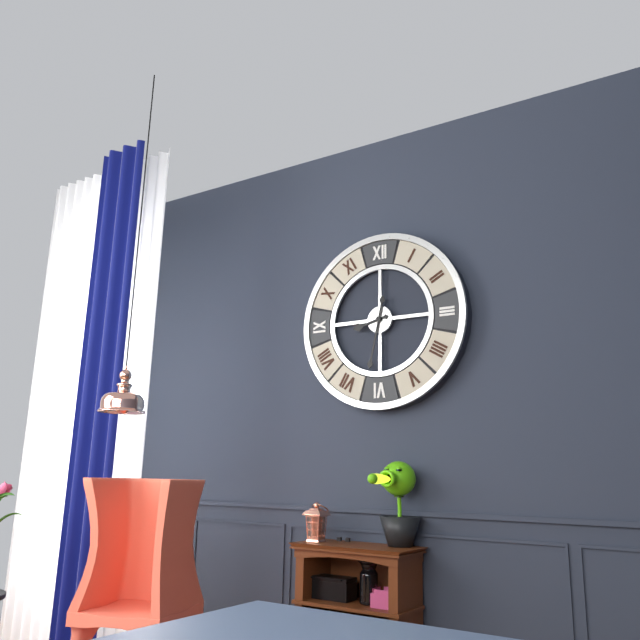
8:32
